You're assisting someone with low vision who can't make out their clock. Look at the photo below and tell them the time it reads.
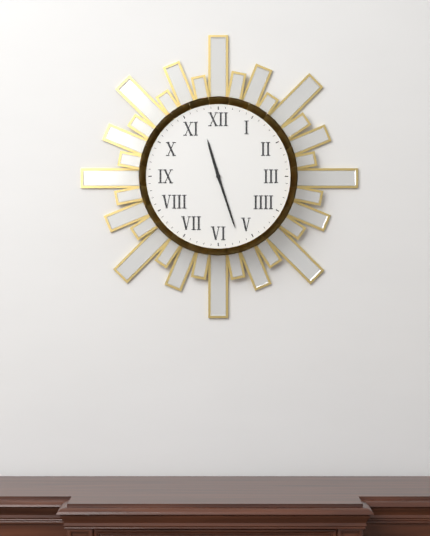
11:27
